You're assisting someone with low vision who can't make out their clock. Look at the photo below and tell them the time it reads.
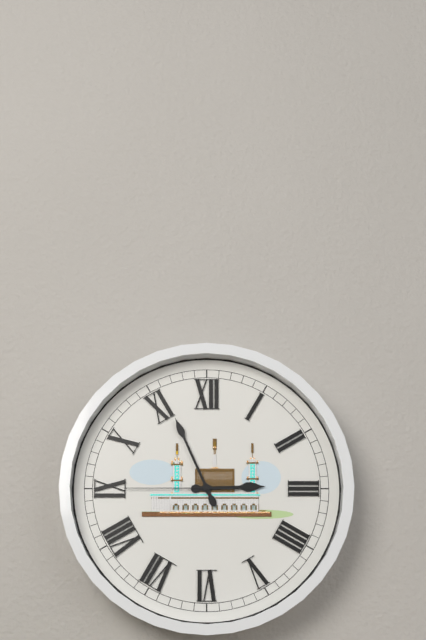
2:56:45
